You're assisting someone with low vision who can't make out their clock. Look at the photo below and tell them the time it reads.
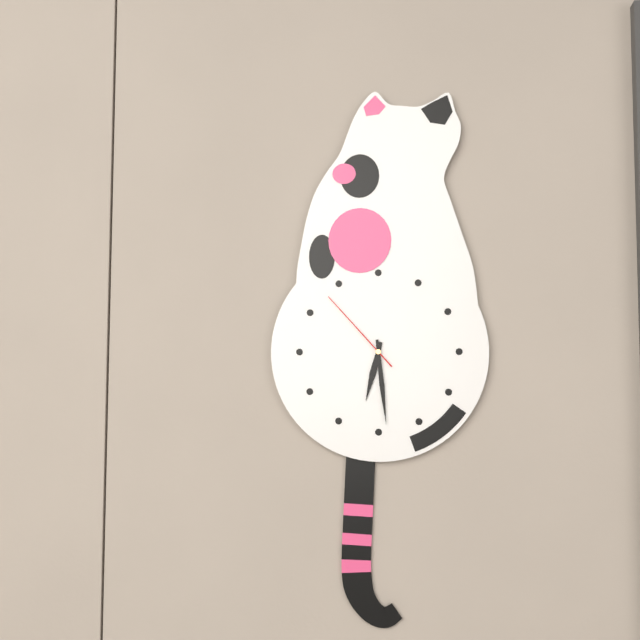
6:29:53
